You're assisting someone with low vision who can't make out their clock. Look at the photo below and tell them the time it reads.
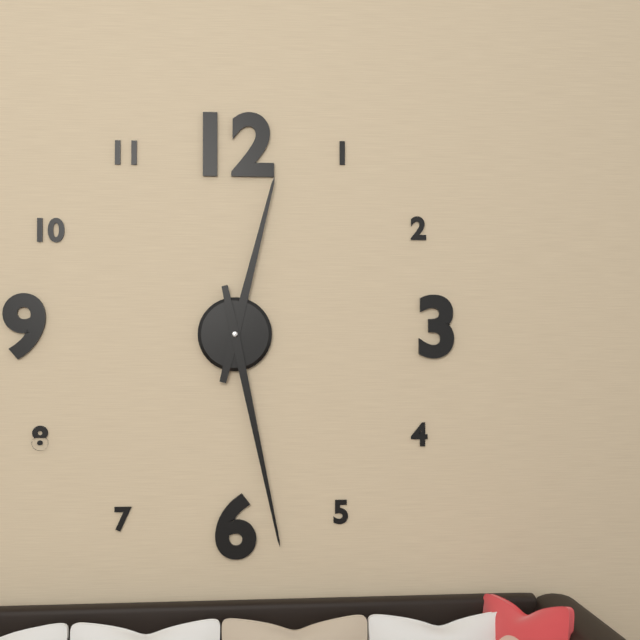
12:28
